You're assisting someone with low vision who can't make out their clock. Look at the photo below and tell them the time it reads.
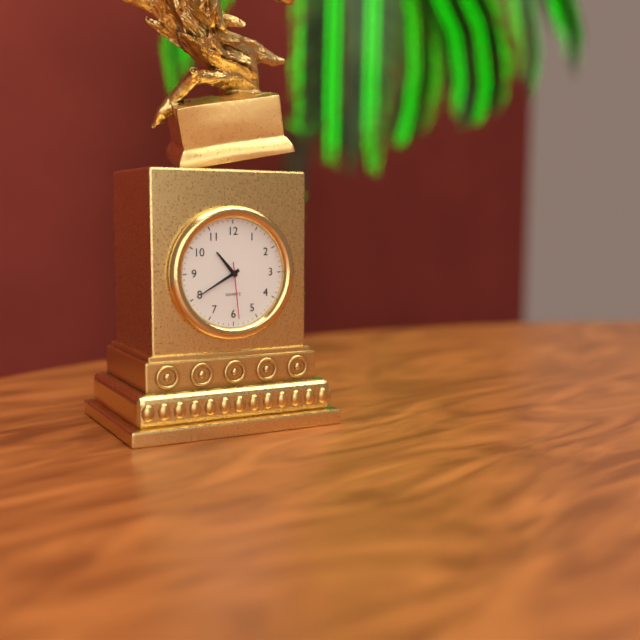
10:40:29
